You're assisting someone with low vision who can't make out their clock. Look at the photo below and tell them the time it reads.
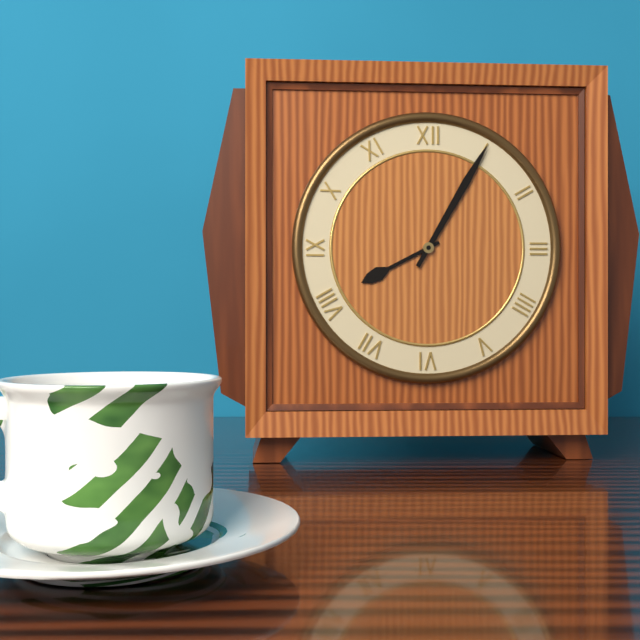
8:05
